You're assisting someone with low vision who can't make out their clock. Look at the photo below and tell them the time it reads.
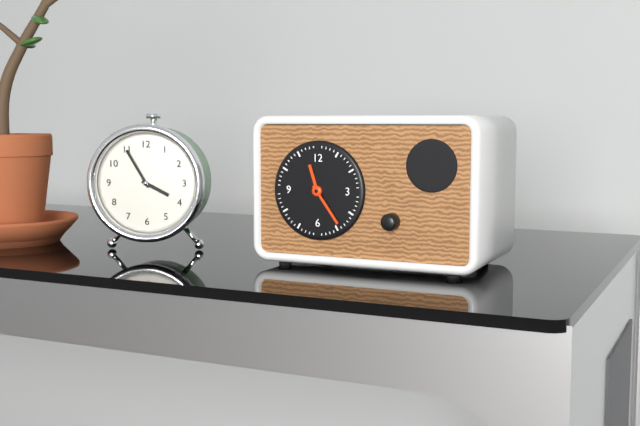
11:24
